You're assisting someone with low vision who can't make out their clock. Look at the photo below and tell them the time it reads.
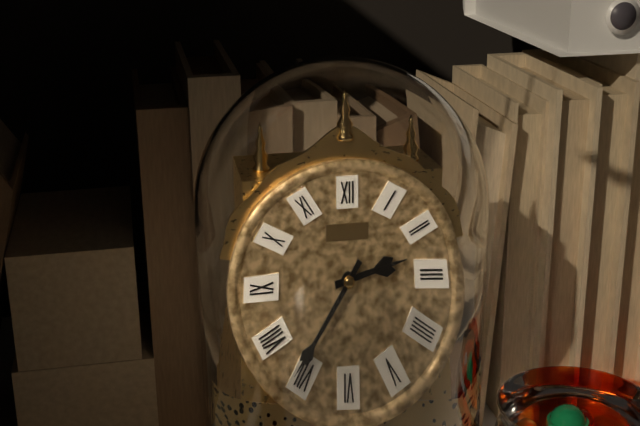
2:36
